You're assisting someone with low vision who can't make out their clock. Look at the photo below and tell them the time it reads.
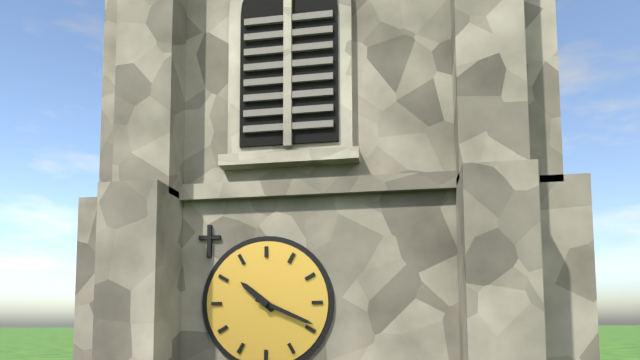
10:19
